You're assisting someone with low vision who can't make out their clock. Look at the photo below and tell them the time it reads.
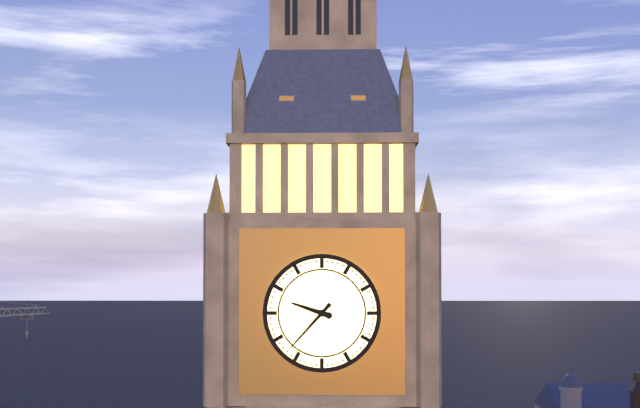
9:37
